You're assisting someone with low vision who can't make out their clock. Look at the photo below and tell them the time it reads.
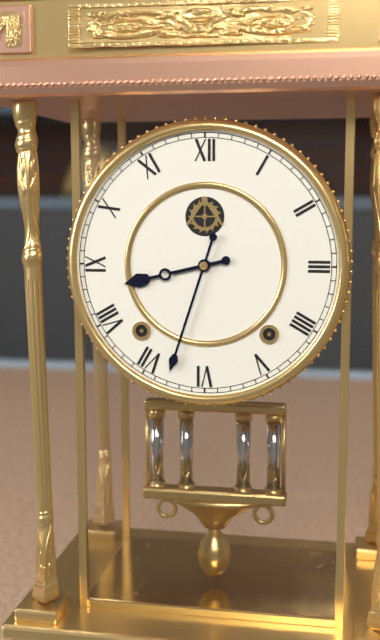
8:33
